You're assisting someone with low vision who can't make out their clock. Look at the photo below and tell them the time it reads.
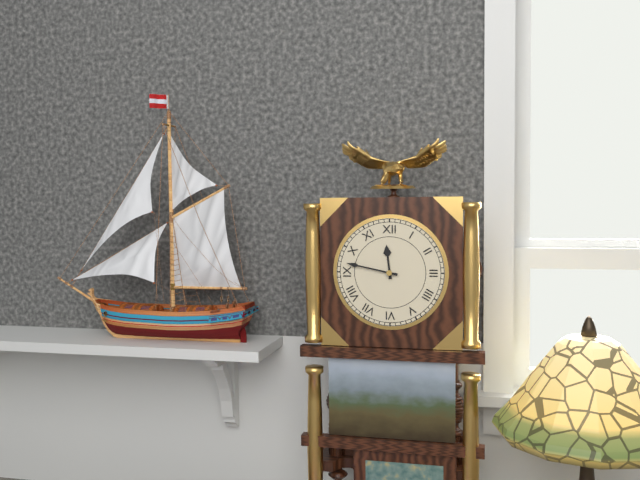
11:47
